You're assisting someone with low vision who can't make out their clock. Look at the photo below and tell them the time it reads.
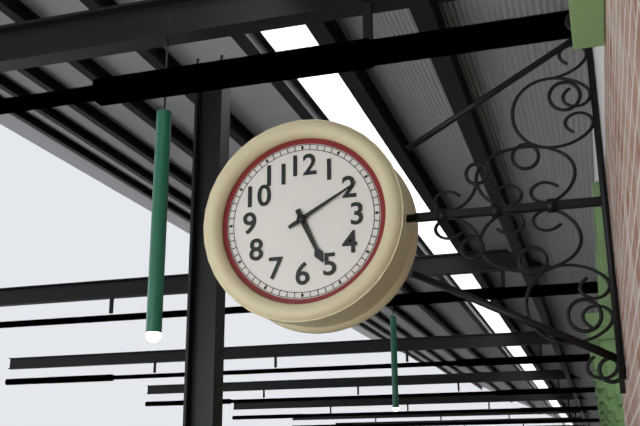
5:10
